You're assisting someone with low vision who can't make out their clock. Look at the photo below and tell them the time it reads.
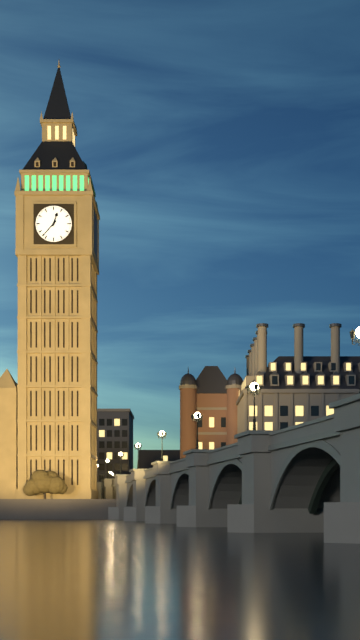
12:37
